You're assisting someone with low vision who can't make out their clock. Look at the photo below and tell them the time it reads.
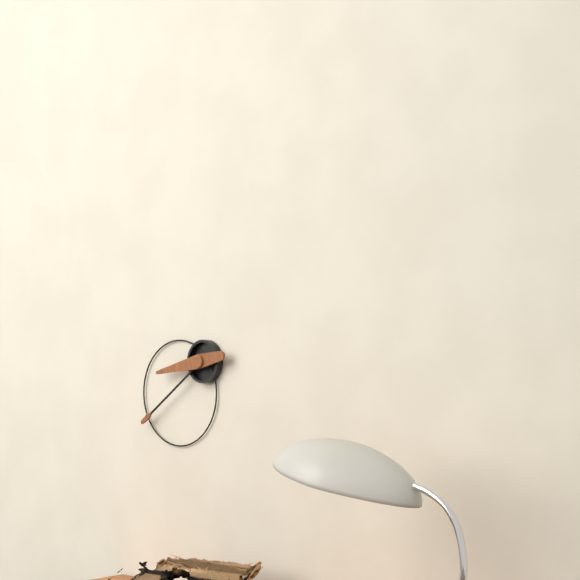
8:39
